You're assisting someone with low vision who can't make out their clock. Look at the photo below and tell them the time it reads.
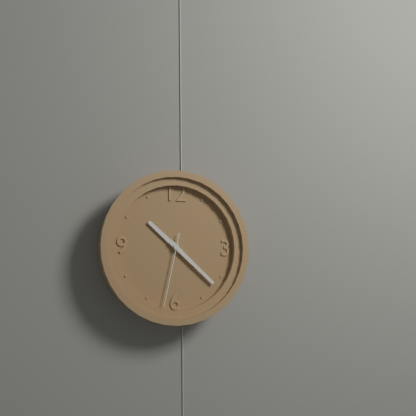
10:22:32
